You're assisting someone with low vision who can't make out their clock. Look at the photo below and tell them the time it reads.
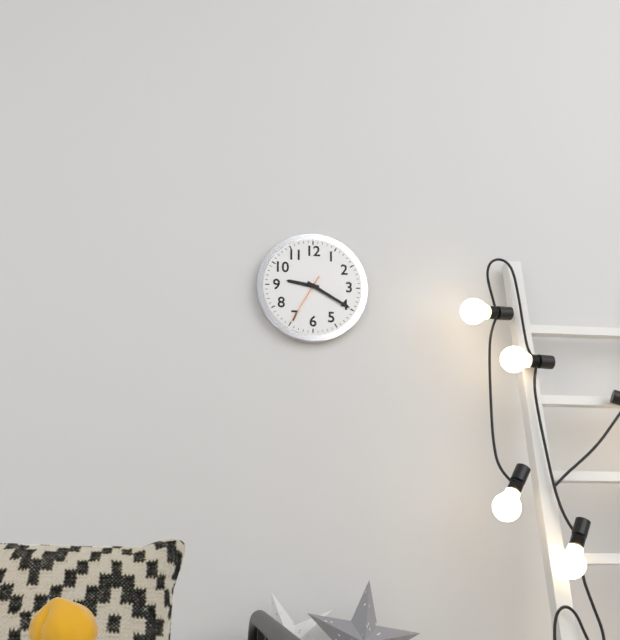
9:20:35
